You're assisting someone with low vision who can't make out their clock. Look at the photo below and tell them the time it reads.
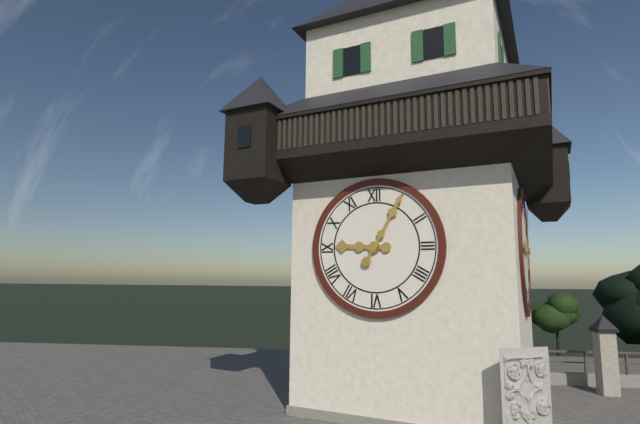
9:05
